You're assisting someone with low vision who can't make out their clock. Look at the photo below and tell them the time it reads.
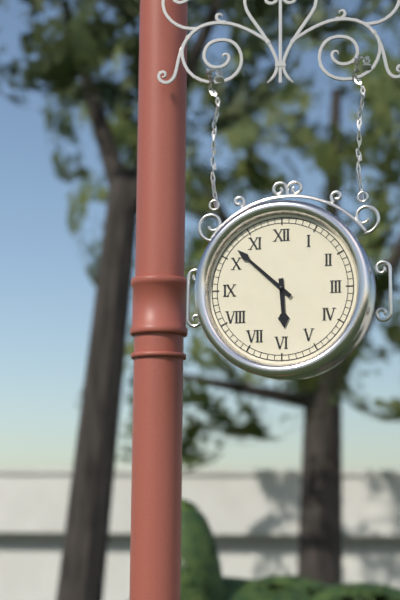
5:52
